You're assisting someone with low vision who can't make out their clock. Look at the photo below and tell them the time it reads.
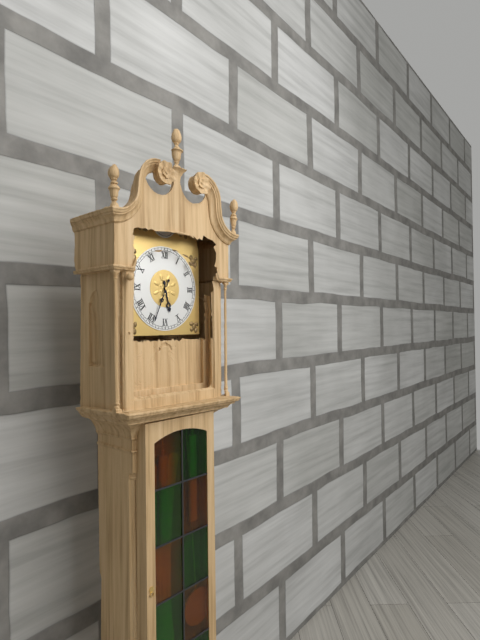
5:34
